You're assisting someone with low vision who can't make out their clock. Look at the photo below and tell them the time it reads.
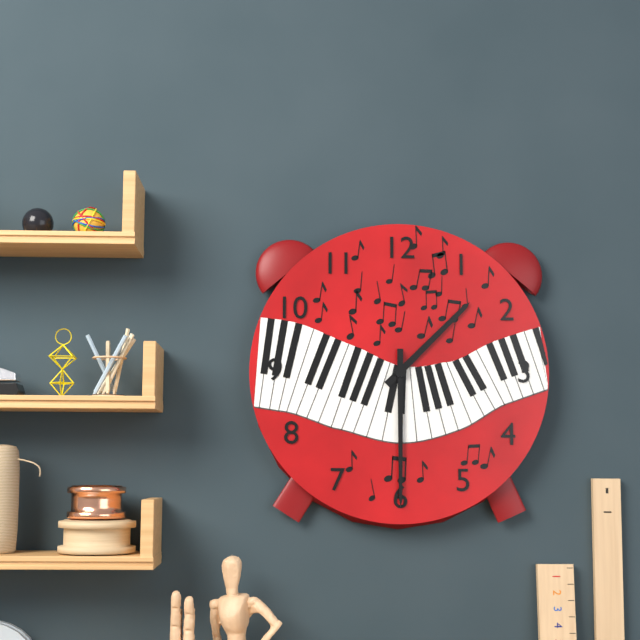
1:30
